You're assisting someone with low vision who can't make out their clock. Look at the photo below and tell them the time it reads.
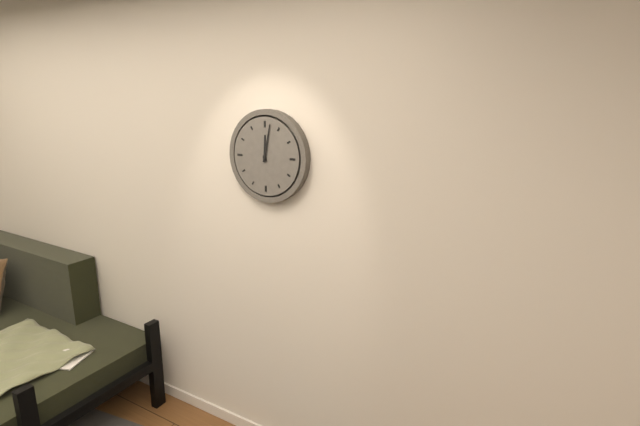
12:02
